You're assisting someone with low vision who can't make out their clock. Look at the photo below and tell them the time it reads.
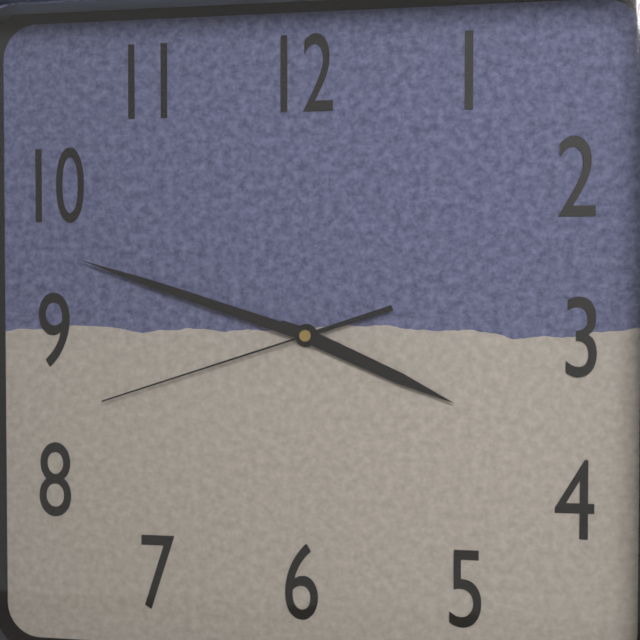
3:48:42
